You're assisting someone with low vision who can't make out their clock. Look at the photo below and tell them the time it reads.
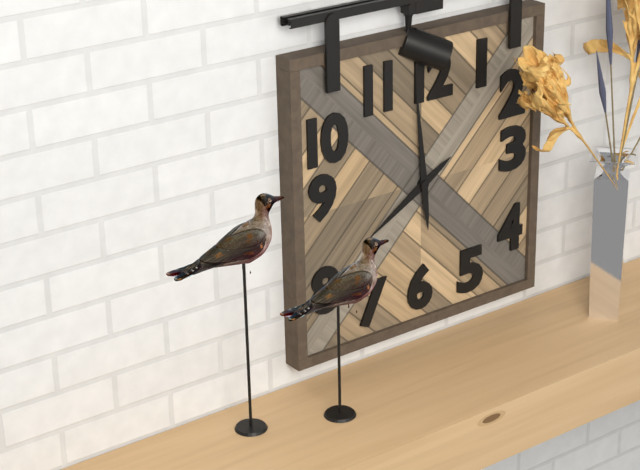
7:59
